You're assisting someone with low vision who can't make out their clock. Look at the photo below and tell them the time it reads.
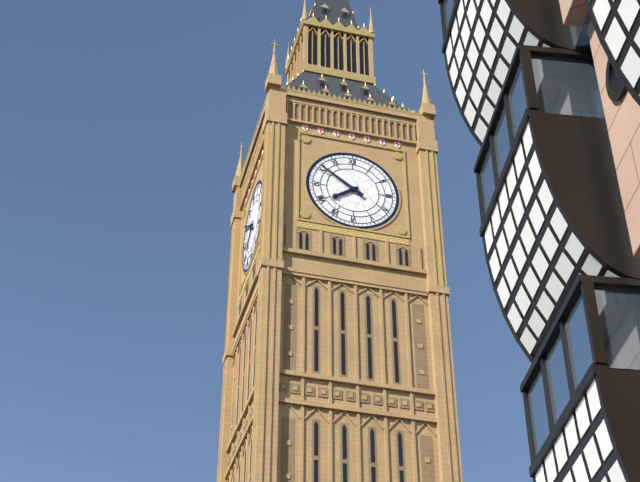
7:51
